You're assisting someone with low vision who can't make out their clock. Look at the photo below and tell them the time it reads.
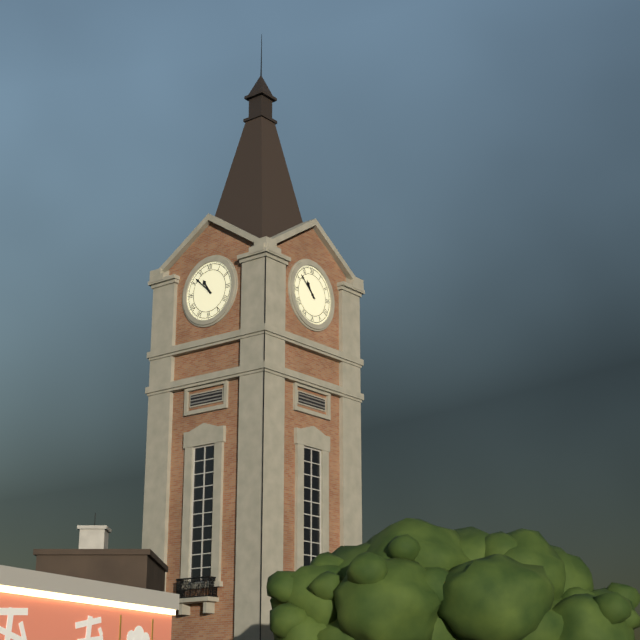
10:52
